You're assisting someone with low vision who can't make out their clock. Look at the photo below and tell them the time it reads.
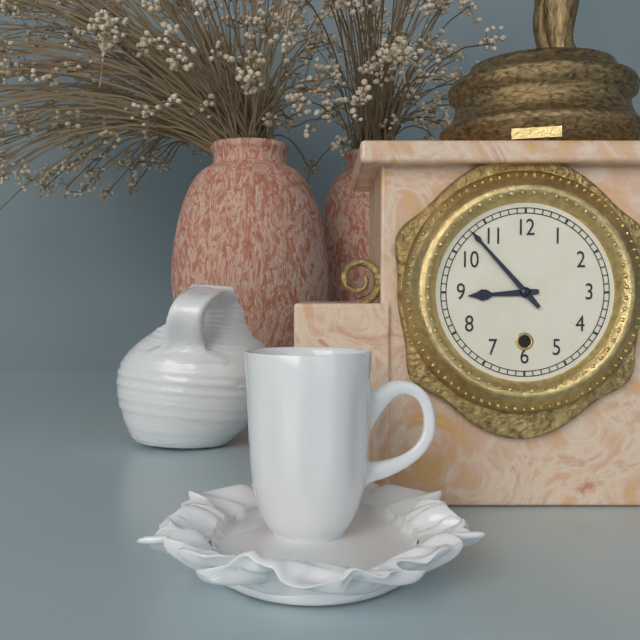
8:53
